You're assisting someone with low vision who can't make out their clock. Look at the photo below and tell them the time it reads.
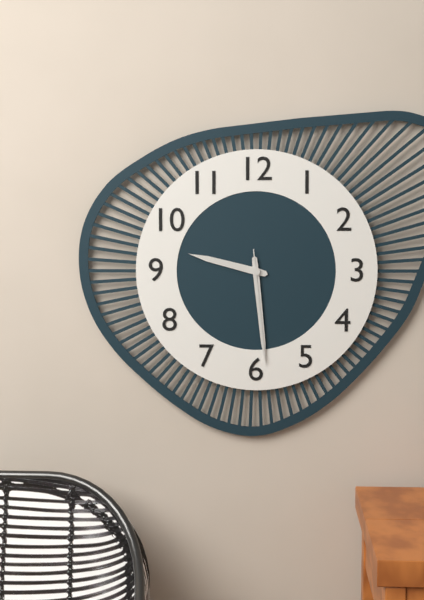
9:29:29
